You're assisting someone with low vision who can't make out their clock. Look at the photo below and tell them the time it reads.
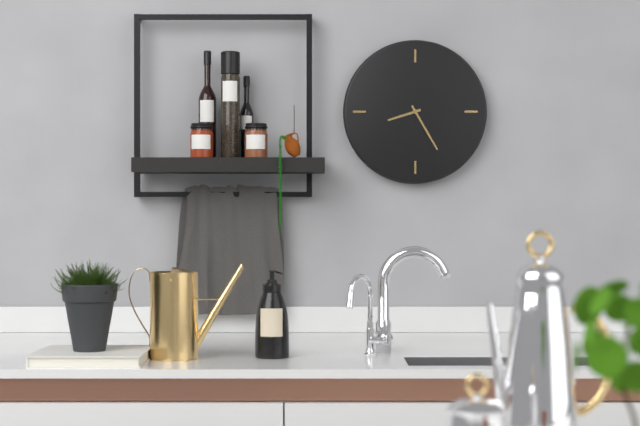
8:25
